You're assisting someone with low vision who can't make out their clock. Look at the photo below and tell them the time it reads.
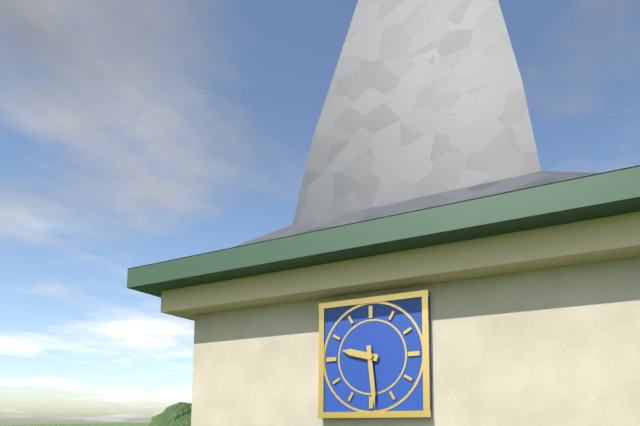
9:29
